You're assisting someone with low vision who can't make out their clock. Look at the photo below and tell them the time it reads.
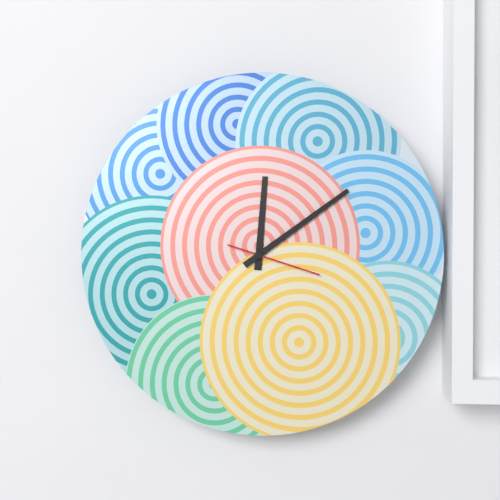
12:09:18
